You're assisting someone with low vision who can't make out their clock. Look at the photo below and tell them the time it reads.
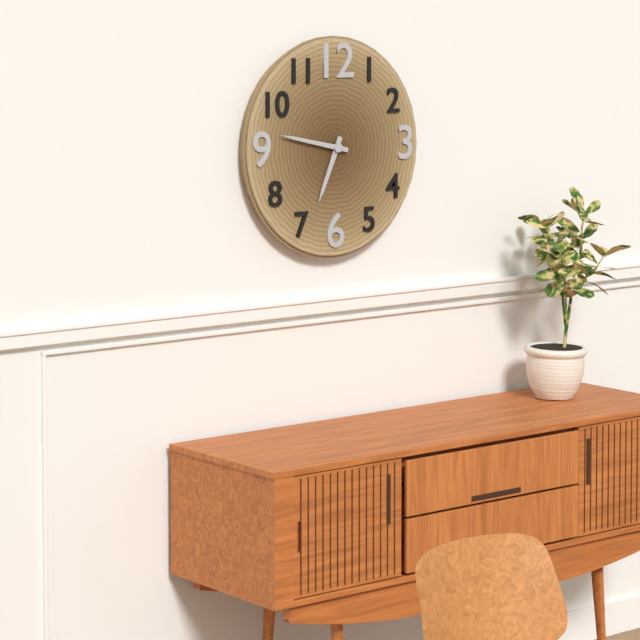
6:47
